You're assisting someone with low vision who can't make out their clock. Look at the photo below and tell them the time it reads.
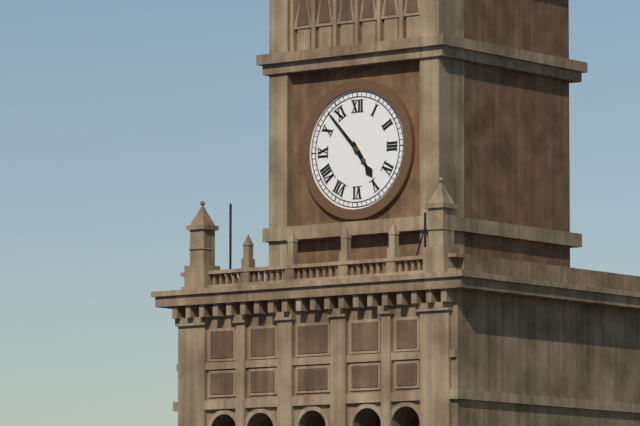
4:53
